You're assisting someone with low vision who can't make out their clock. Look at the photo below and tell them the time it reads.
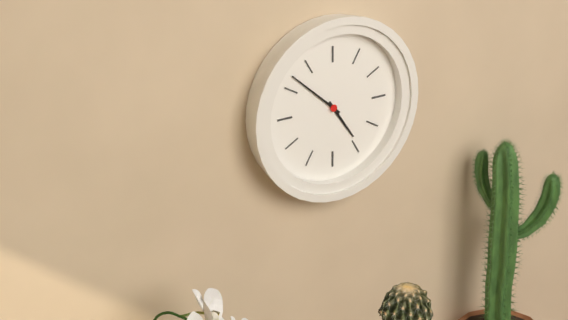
4:52
